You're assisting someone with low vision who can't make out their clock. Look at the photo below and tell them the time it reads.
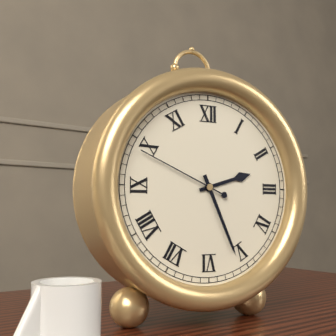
2:26:49
